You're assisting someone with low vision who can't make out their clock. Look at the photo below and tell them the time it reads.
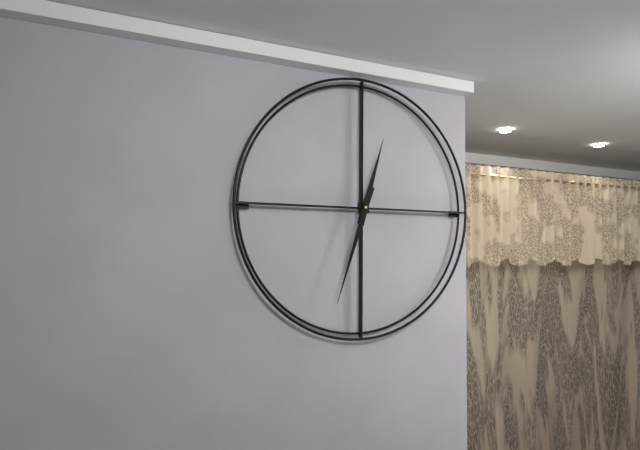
12:33
